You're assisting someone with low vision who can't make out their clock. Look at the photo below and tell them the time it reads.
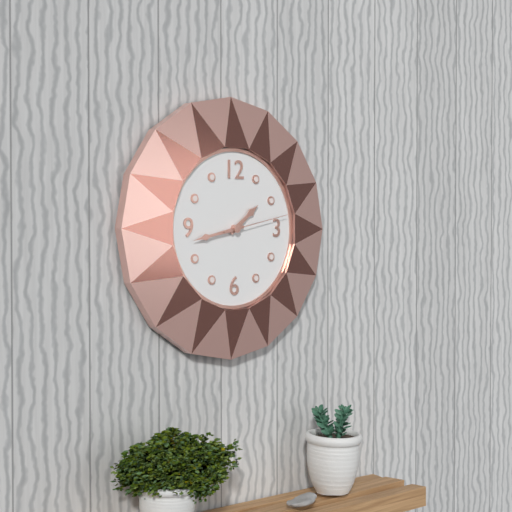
1:43:13
